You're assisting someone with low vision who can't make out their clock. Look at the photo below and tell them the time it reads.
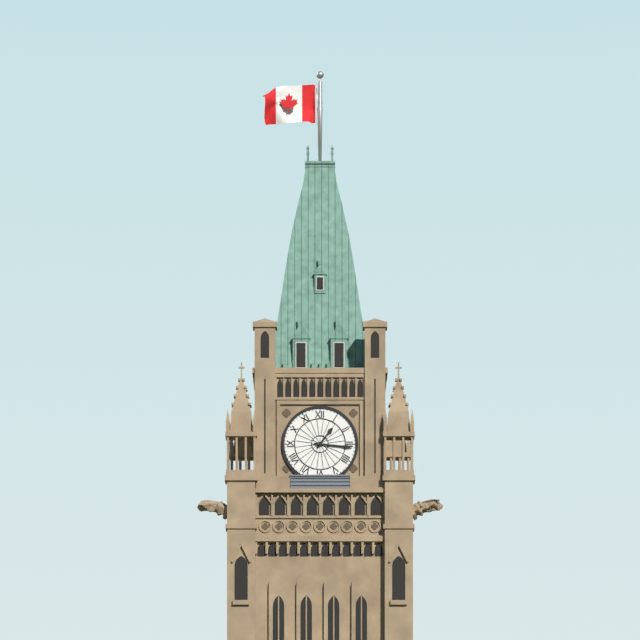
1:16
